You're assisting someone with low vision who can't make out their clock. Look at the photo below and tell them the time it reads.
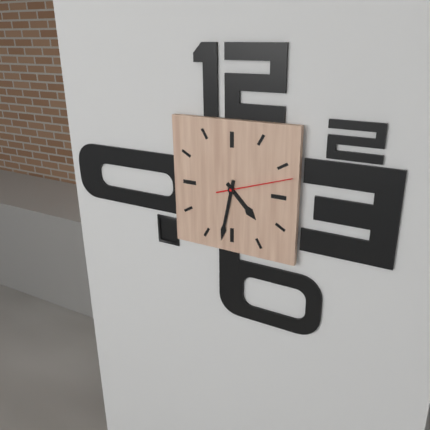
4:32:12
